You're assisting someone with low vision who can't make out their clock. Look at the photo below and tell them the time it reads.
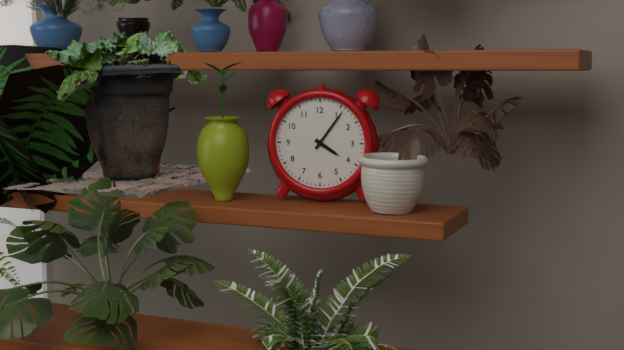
4:06
